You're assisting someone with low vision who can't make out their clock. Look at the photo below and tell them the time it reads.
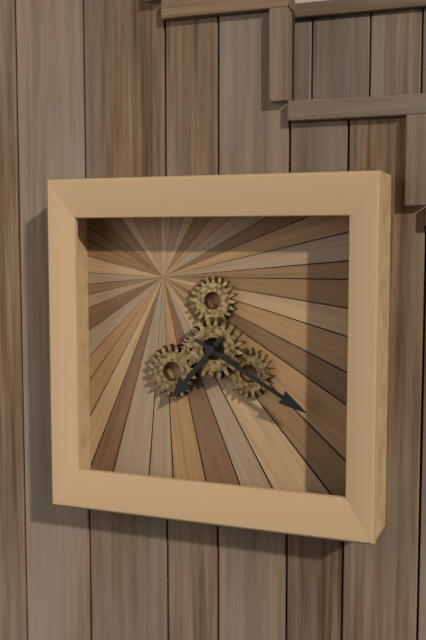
7:20
